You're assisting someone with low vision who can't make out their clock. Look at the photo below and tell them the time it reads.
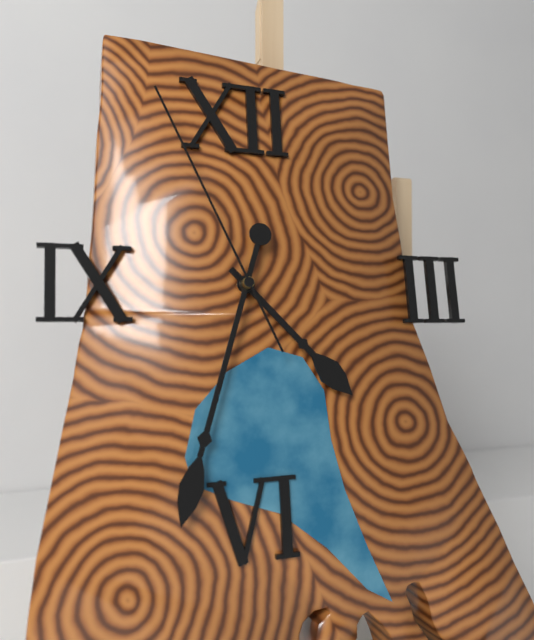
4:33:56
